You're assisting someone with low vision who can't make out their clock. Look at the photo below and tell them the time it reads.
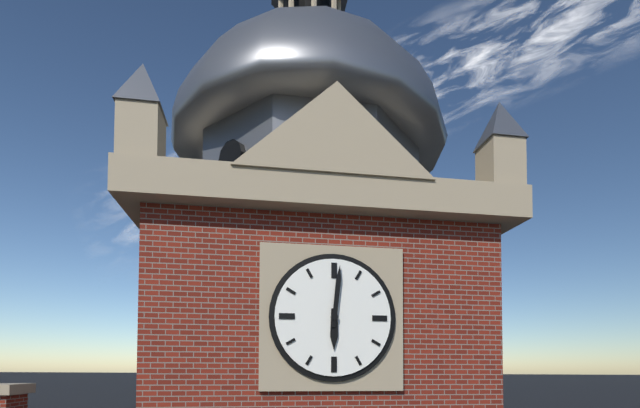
6:01
